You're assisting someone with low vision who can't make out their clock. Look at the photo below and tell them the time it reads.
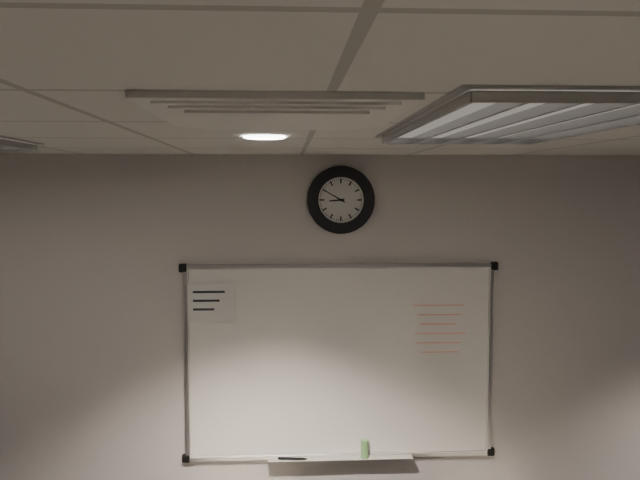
8:50
